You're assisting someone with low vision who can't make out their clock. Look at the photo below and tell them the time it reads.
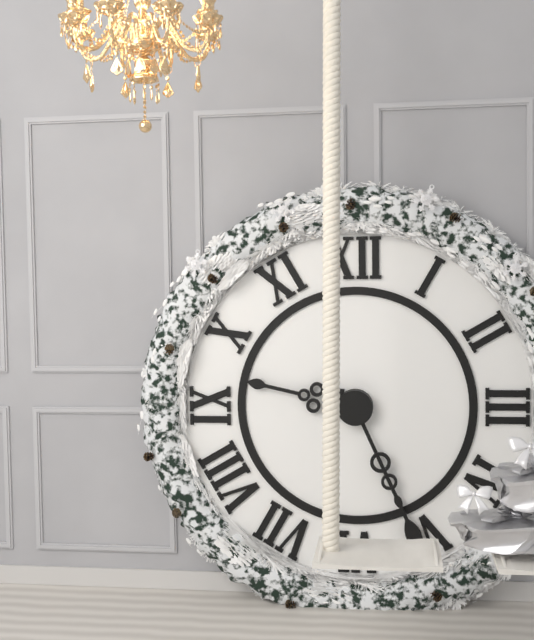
9:26
